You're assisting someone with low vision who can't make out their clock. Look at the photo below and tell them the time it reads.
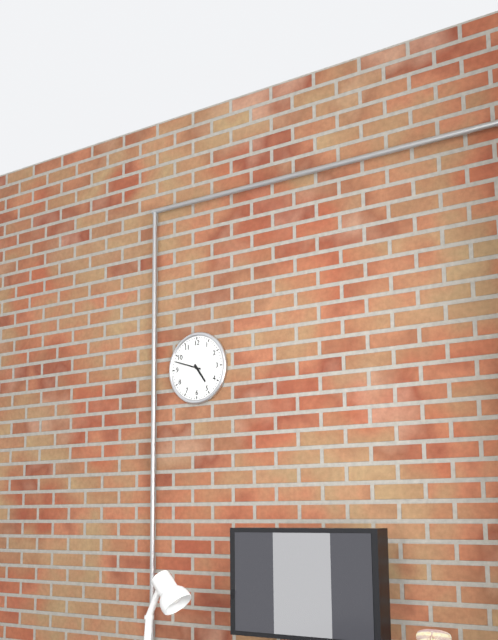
4:48
